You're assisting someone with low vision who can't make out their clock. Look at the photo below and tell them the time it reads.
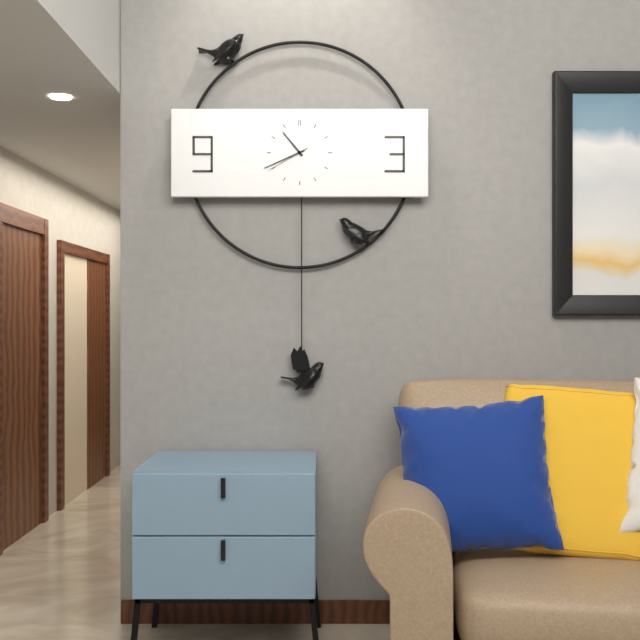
10:41
